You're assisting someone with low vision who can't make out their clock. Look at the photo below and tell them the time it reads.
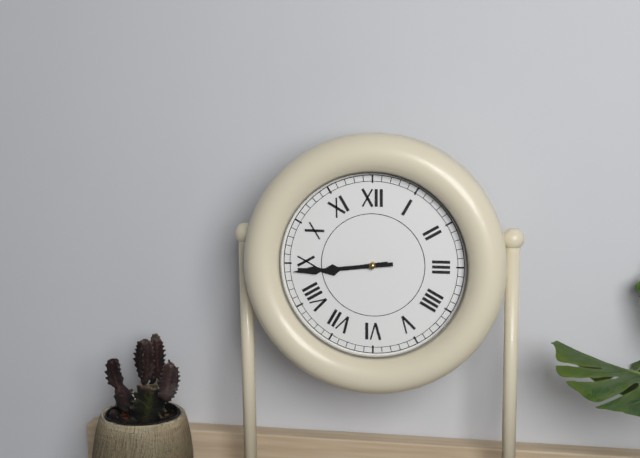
8:44
